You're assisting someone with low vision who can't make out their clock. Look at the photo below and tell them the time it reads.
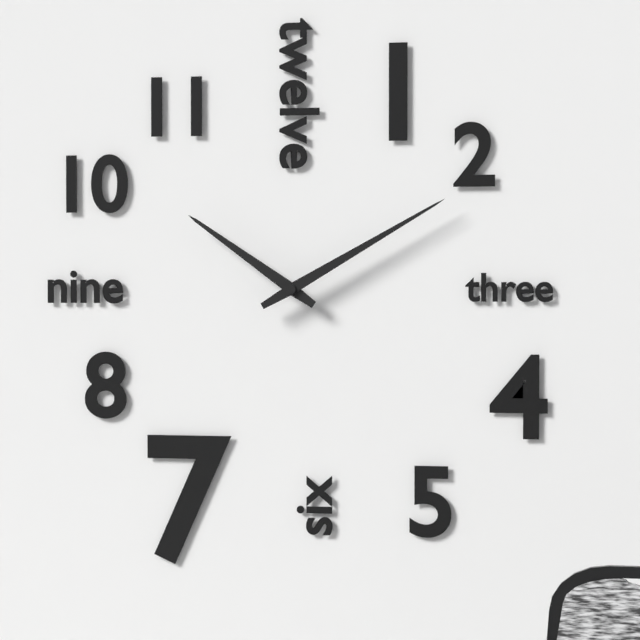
10:10
